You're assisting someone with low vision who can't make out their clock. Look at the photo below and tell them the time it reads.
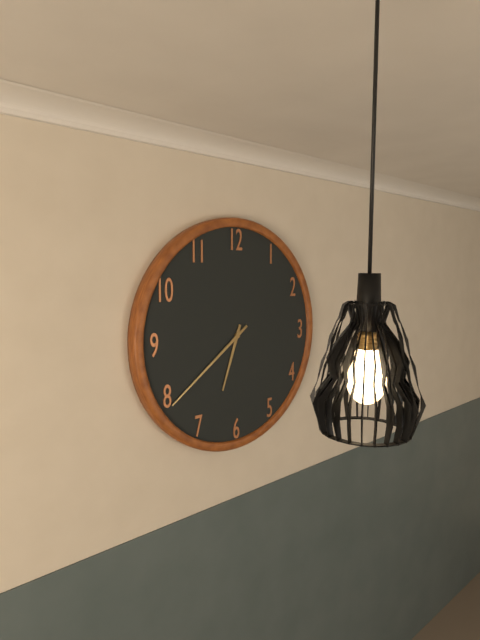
6:39
